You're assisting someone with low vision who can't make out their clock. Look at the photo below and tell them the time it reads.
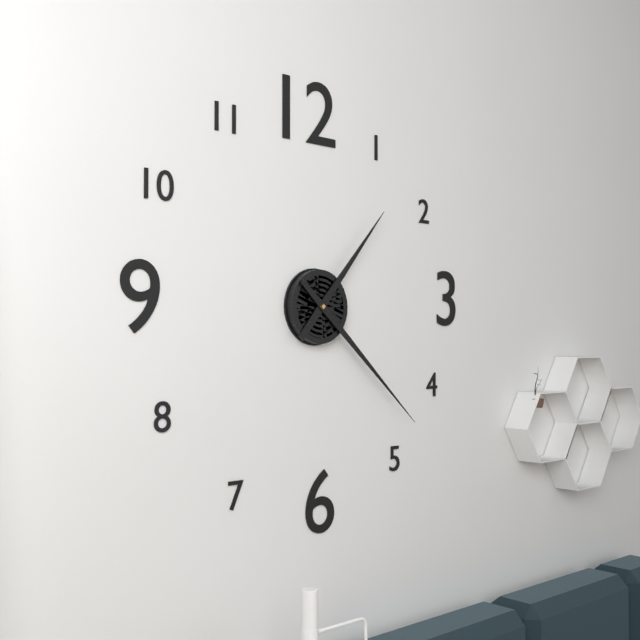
1:22
